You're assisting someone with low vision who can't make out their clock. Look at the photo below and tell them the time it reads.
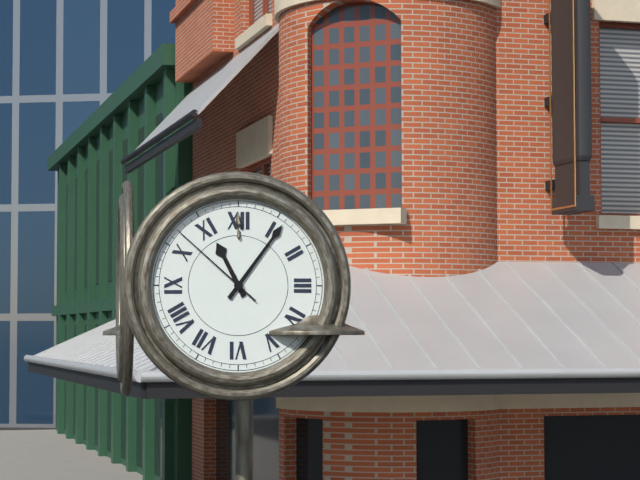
11:06:52
